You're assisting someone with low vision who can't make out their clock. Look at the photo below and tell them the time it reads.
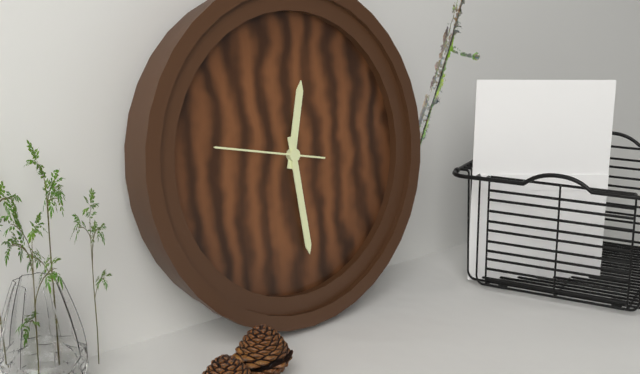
12:29:47
